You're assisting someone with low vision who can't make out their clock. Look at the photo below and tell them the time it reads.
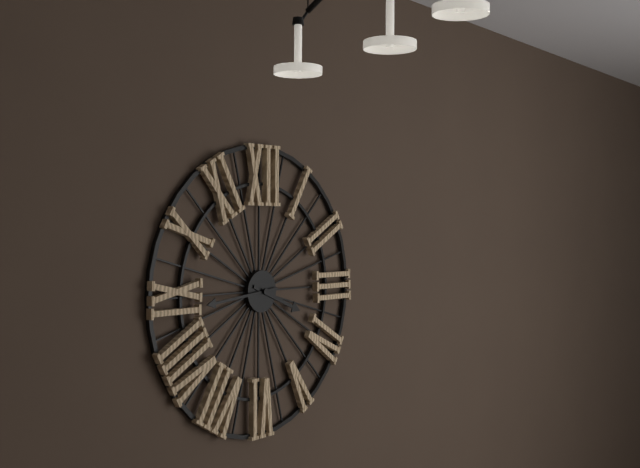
3:44
